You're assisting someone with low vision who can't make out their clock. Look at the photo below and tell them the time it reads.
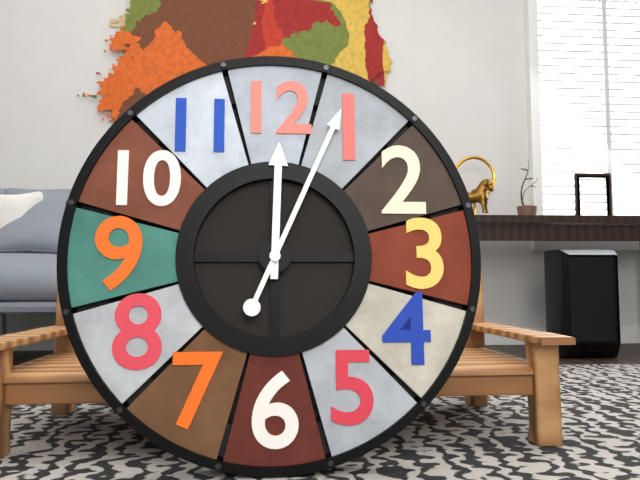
12:04
